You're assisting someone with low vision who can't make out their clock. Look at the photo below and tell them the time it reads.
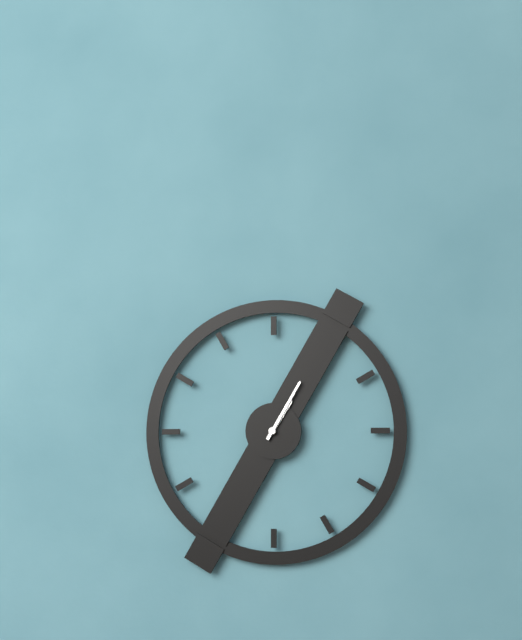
1:05
